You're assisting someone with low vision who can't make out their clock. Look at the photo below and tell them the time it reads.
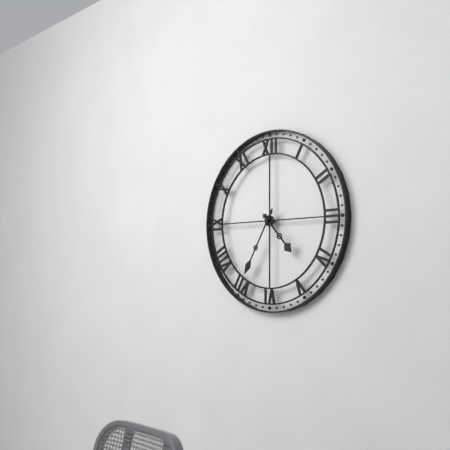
4:35
